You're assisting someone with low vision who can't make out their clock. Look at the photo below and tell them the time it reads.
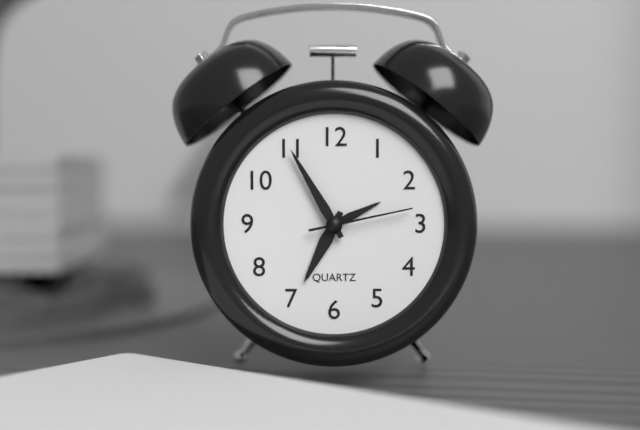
6:55:13
